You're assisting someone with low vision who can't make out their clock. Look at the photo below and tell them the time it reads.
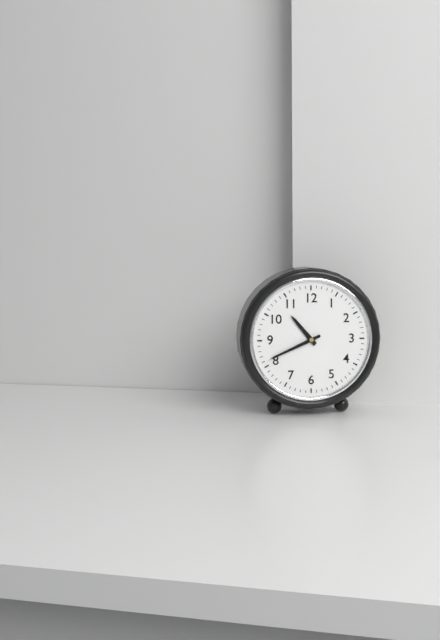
10:41
